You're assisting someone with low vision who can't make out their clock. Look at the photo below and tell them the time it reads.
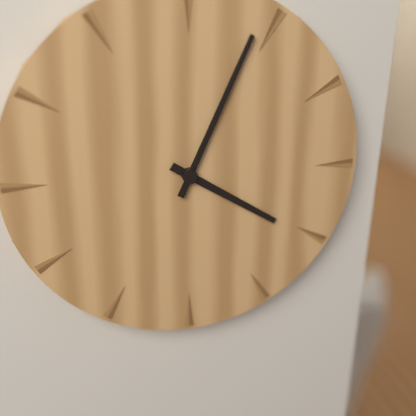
4:04
